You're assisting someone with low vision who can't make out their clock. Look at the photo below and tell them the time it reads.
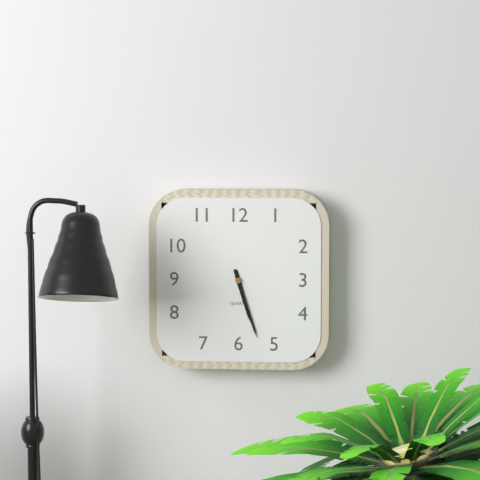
5:27
